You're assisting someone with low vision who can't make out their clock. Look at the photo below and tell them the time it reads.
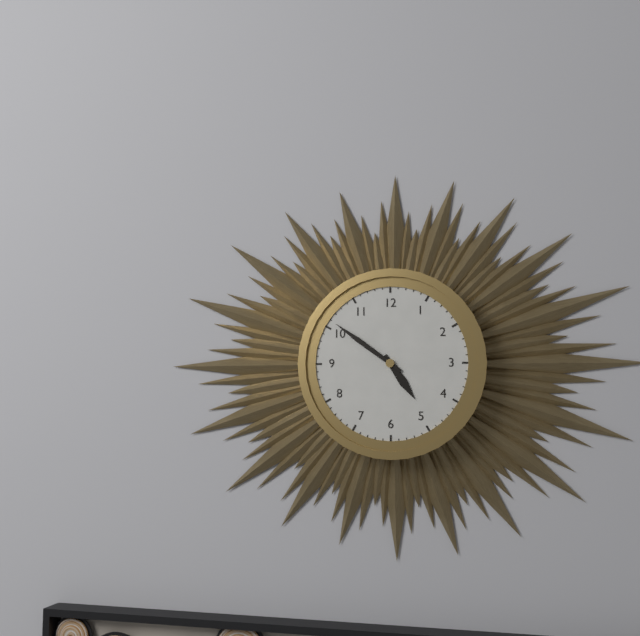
4:51
